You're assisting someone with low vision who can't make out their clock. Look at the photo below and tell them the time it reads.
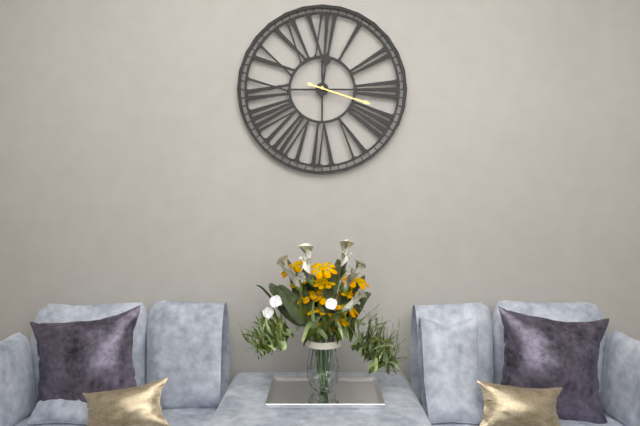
12:18
